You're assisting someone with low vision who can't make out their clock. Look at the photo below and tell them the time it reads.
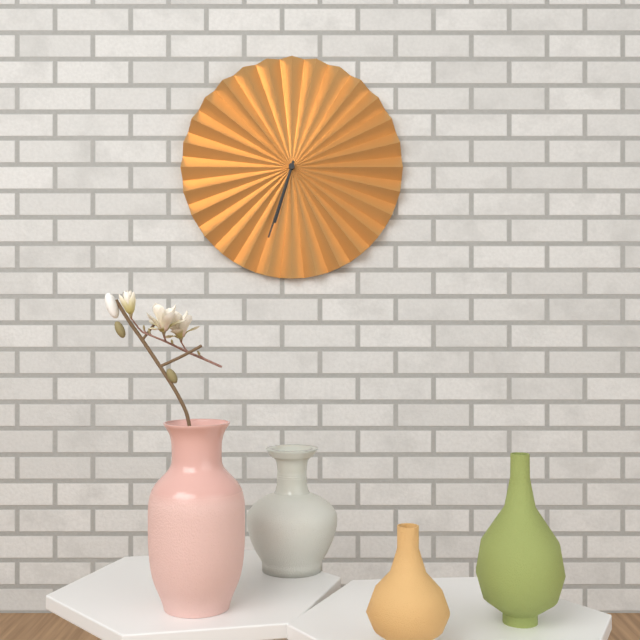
6:33
